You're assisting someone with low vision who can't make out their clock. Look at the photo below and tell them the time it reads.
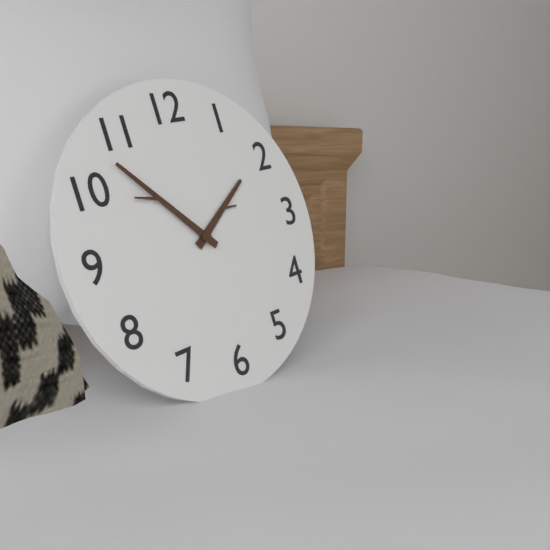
1:53
